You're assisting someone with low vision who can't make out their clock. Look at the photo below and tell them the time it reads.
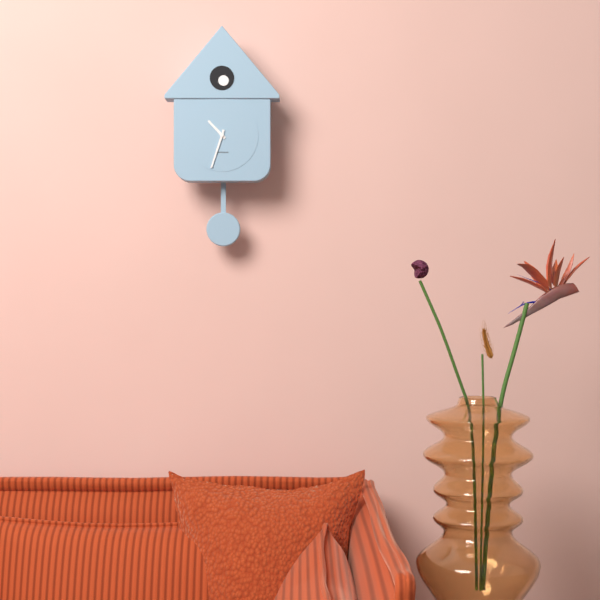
10:33
